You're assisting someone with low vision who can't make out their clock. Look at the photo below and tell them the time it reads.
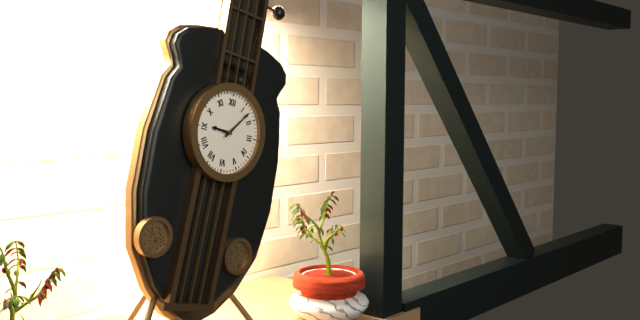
9:07
